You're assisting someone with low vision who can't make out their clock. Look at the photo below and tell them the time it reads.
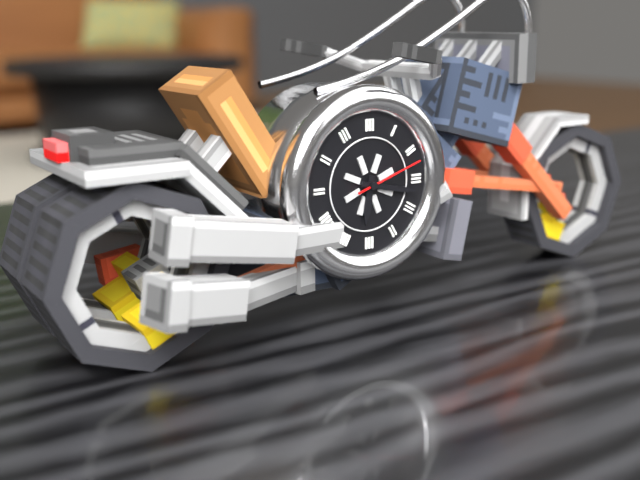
6:17:12
